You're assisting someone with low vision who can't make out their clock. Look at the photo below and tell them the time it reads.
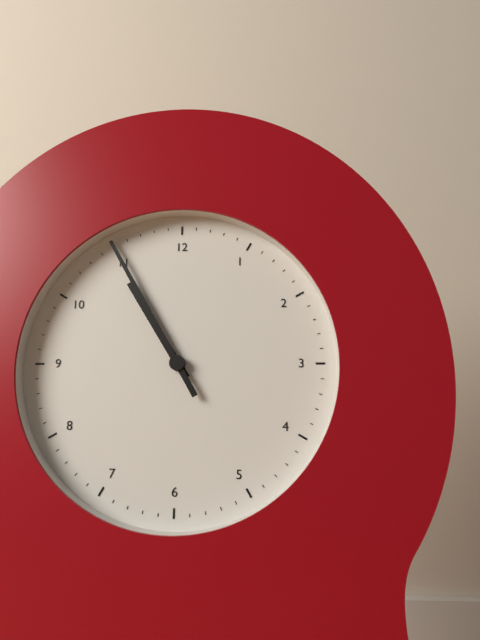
10:55
